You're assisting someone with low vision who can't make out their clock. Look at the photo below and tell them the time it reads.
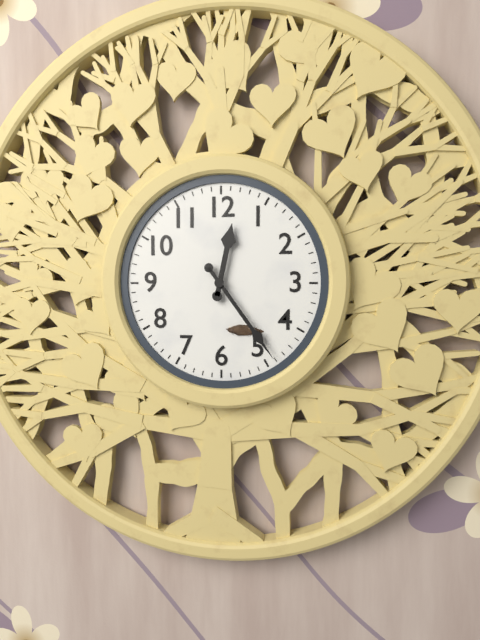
12:24
